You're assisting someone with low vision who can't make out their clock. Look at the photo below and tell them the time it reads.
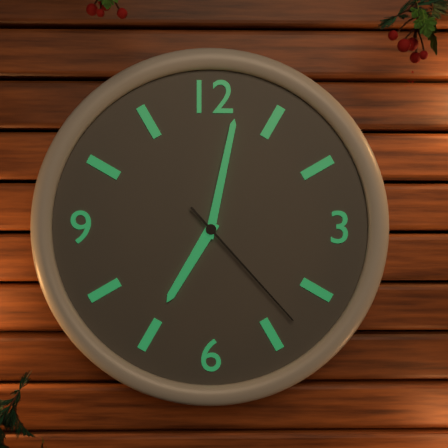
7:02:23
